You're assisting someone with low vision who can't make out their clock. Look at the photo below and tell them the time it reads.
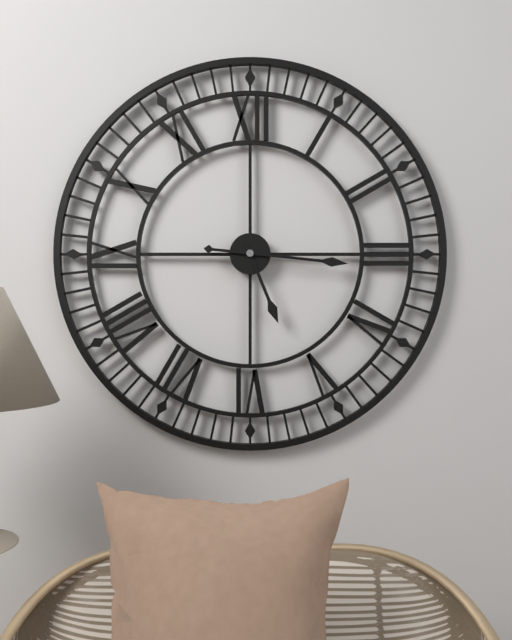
5:16
